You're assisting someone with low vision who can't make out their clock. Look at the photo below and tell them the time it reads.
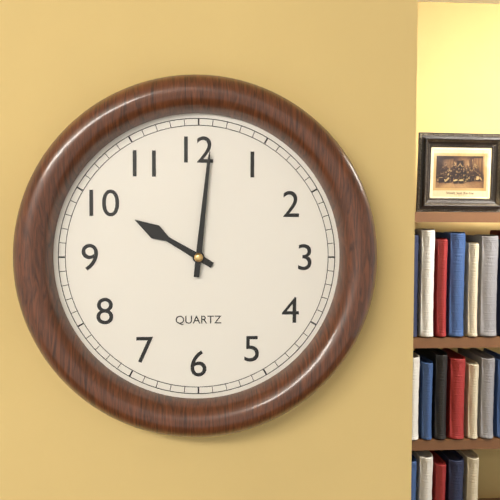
10:01
